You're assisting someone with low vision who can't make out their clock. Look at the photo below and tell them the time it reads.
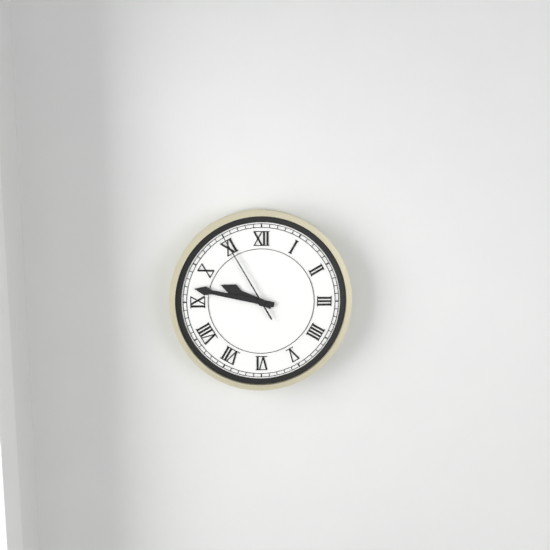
9:47:55
